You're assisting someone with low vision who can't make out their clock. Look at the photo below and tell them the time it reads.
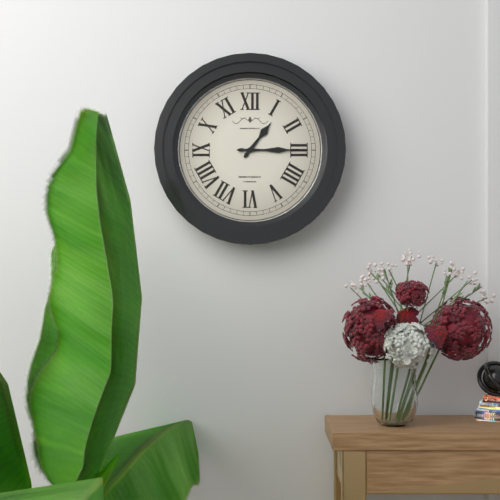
1:15
